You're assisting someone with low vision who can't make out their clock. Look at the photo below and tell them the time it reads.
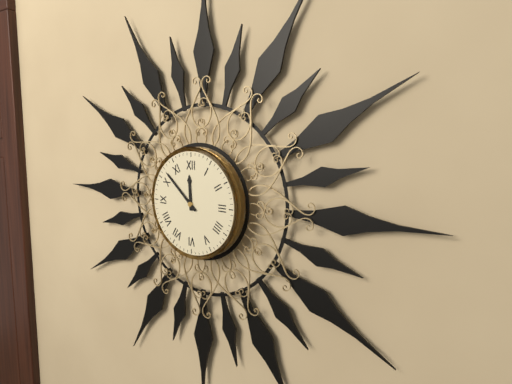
11:52
